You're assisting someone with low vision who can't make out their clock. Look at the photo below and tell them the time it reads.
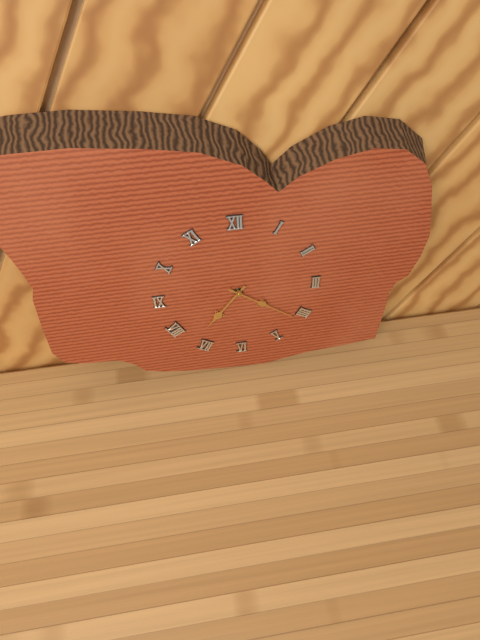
7:21
